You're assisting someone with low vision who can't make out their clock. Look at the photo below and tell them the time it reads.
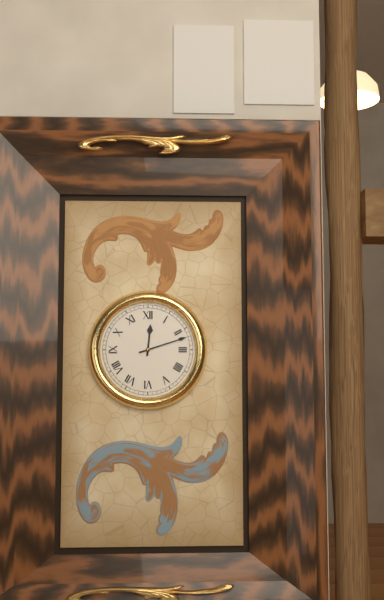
12:12
